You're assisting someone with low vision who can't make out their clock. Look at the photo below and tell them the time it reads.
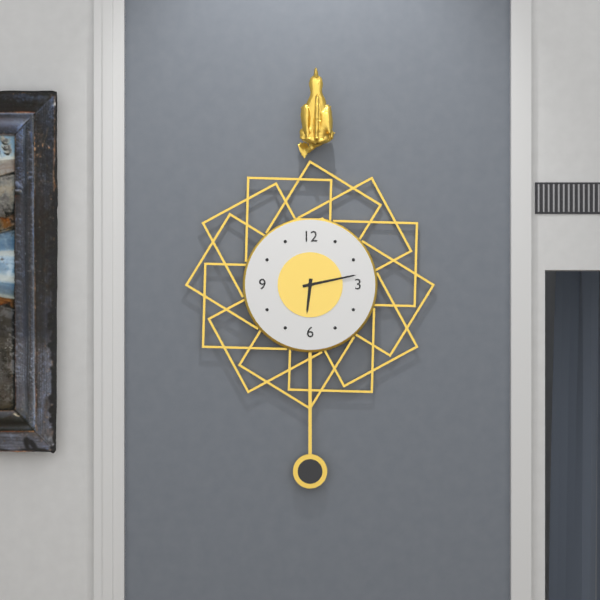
6:13
